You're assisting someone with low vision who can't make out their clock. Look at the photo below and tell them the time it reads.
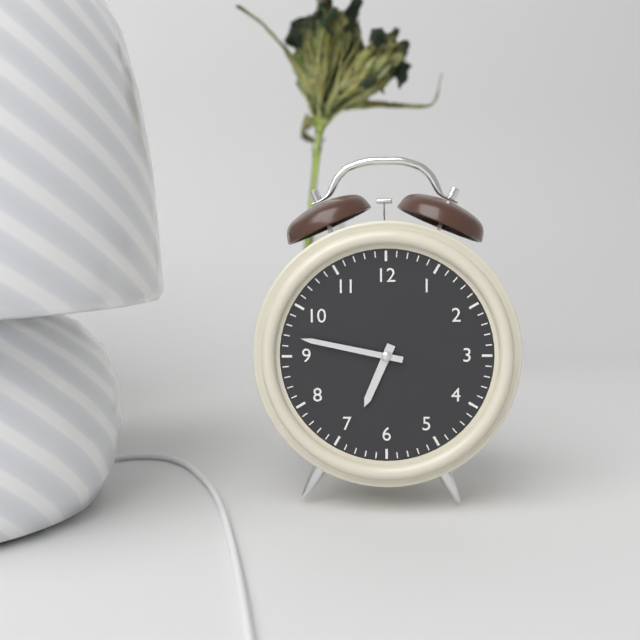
6:47
